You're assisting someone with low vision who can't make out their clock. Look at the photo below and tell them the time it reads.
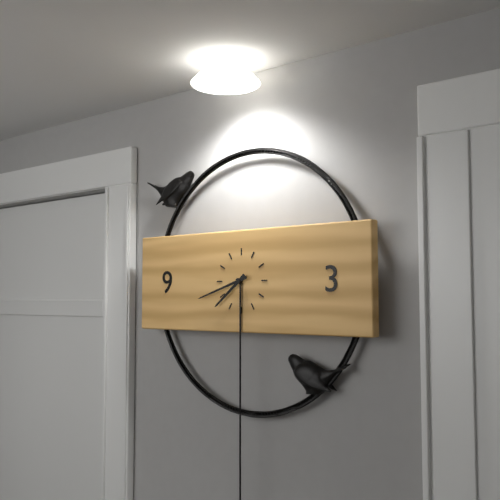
7:42
